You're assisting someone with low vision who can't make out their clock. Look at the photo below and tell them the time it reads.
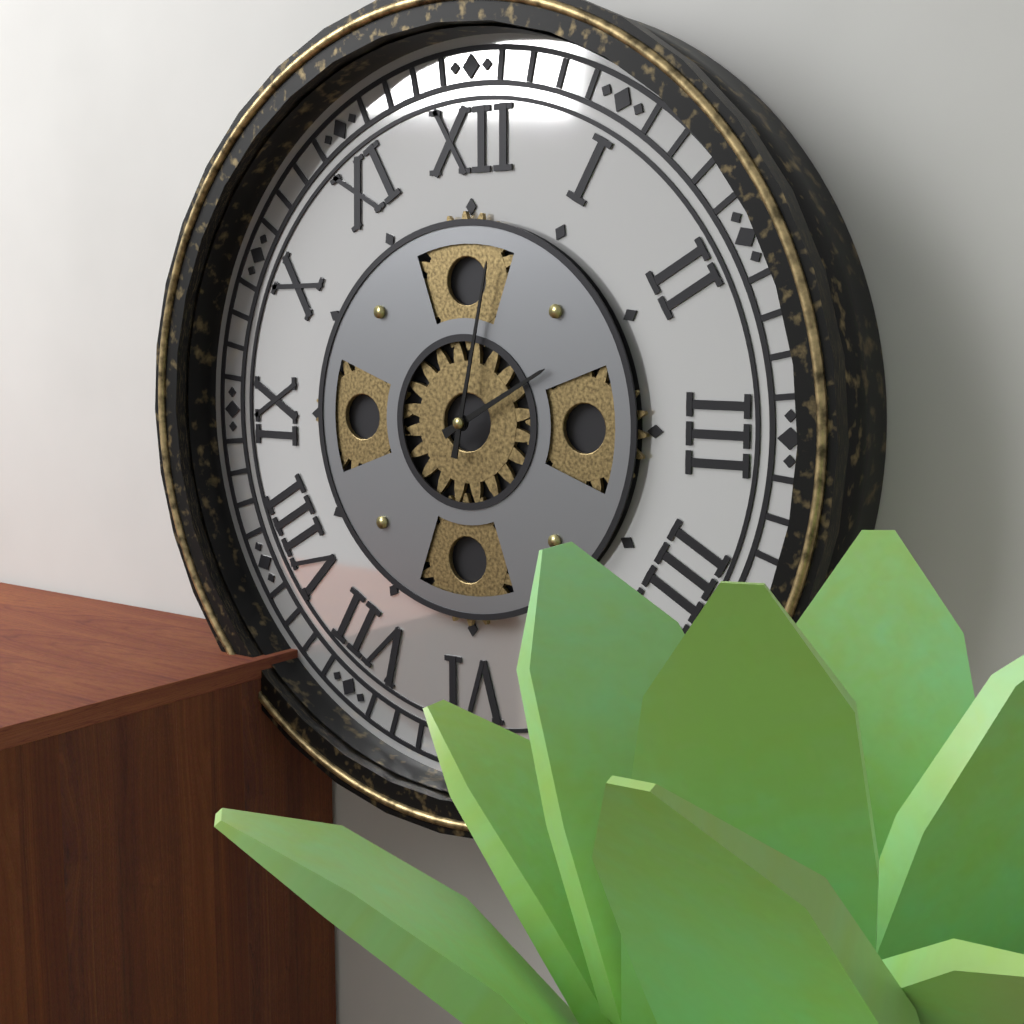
2:02
